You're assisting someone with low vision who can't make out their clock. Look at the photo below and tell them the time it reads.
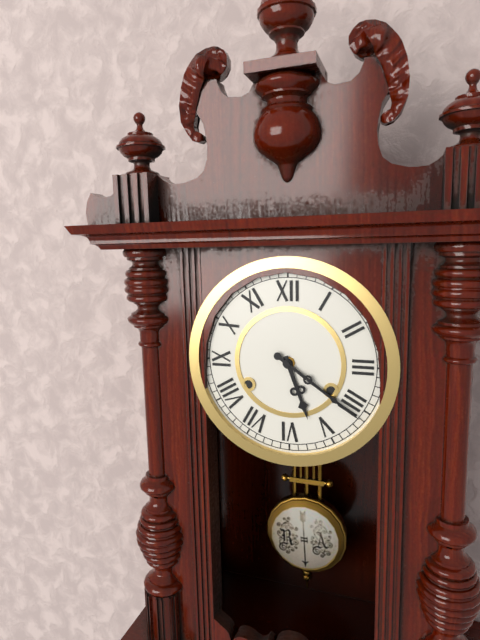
5:21
